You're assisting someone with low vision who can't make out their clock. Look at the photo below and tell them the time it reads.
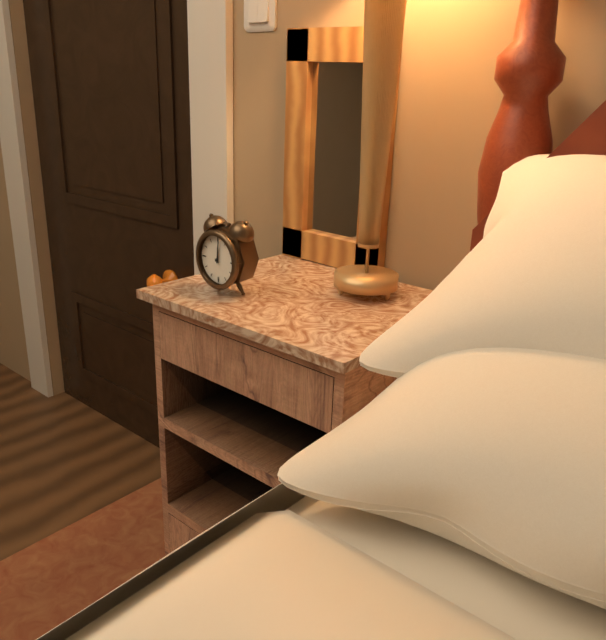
12:01
